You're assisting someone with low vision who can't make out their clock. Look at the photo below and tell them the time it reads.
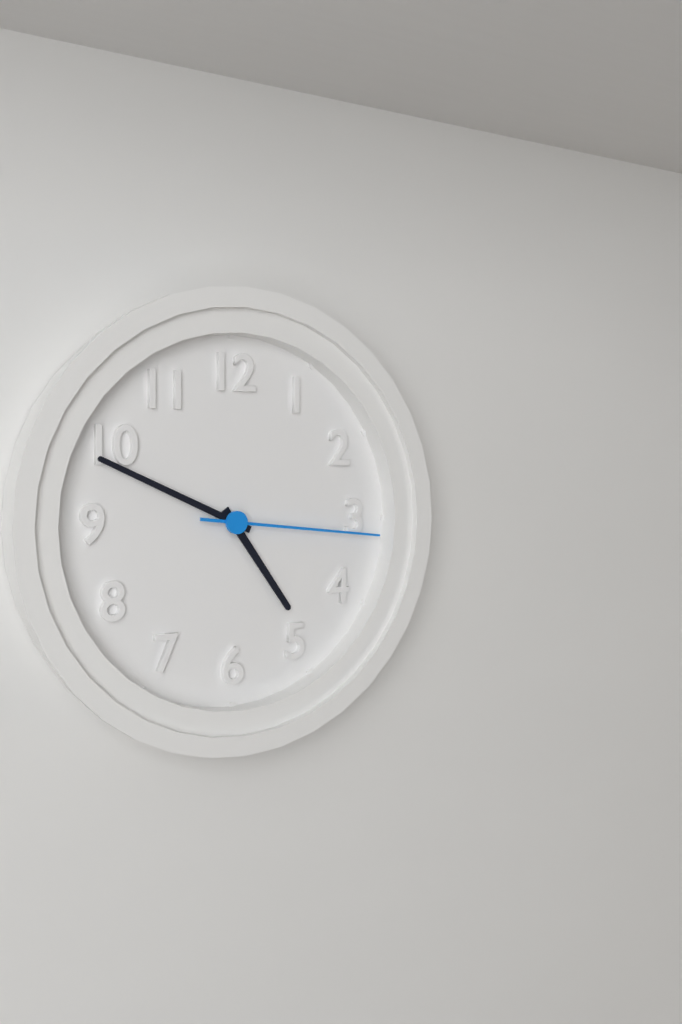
4:49:16
